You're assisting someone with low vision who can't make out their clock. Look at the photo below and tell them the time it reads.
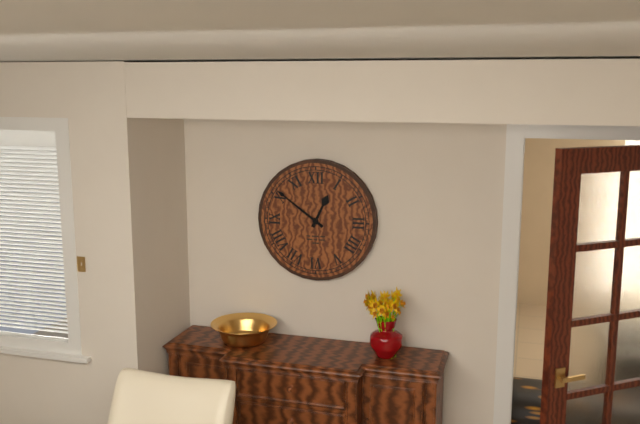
12:51
